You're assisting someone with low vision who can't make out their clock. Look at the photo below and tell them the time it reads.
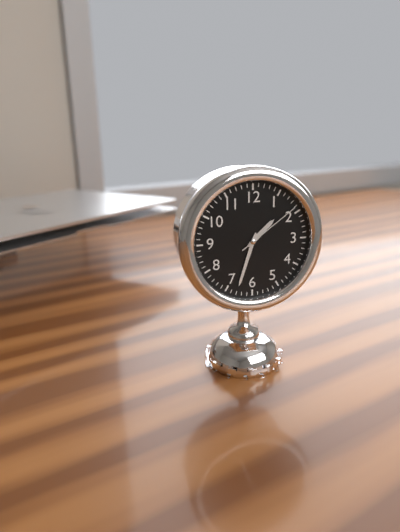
1:33:09
